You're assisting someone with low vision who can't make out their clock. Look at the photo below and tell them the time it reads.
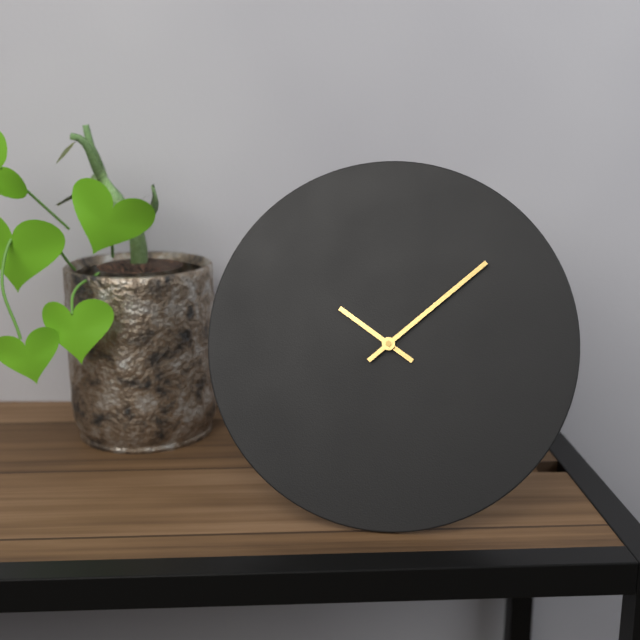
10:08
